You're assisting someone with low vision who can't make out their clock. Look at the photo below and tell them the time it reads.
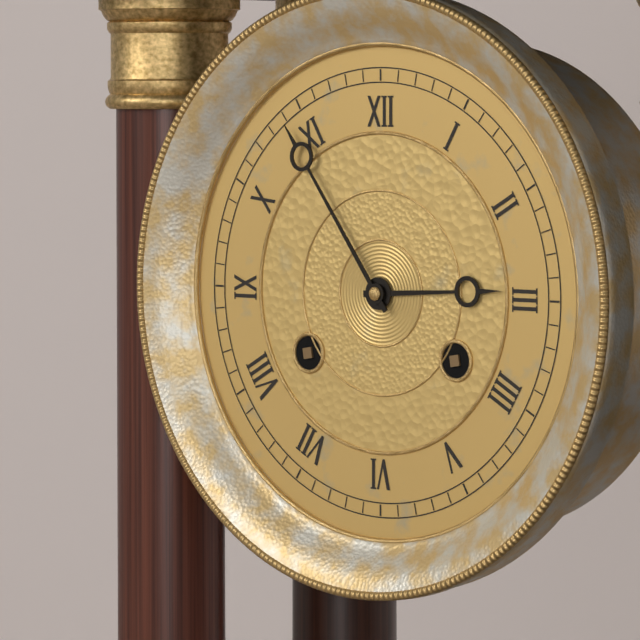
2:54
